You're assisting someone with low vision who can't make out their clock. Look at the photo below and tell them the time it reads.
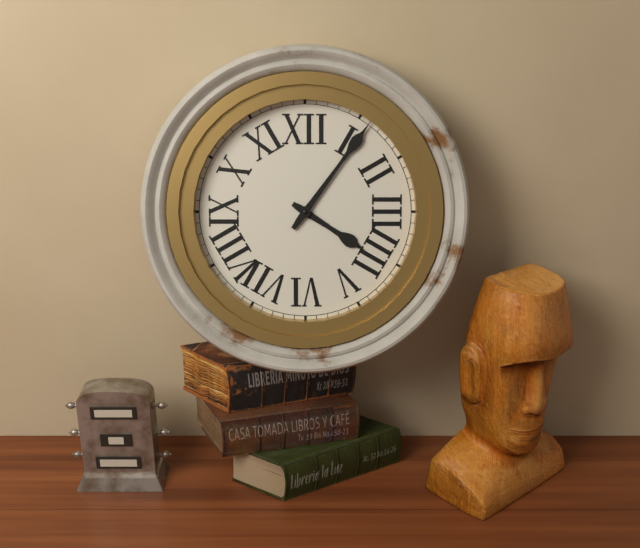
4:06
